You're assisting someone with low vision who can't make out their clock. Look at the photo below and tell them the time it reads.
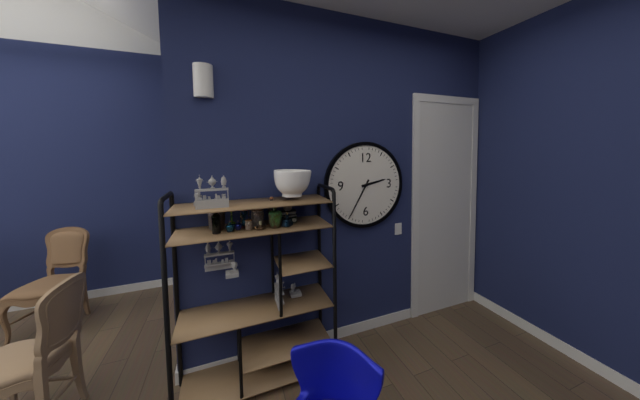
2:35
